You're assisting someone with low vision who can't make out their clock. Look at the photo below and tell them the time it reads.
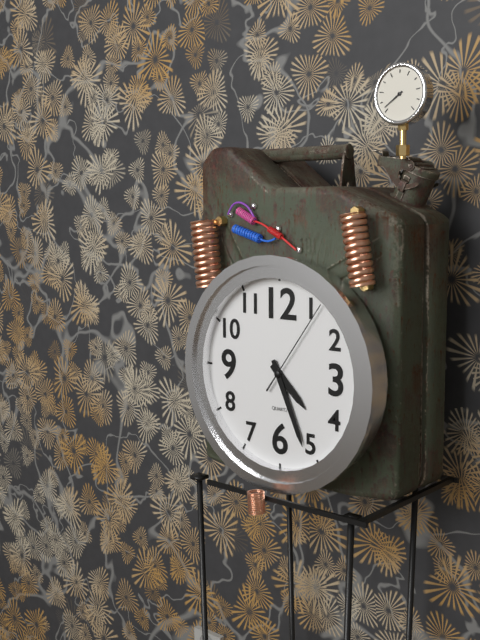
4:26:06
